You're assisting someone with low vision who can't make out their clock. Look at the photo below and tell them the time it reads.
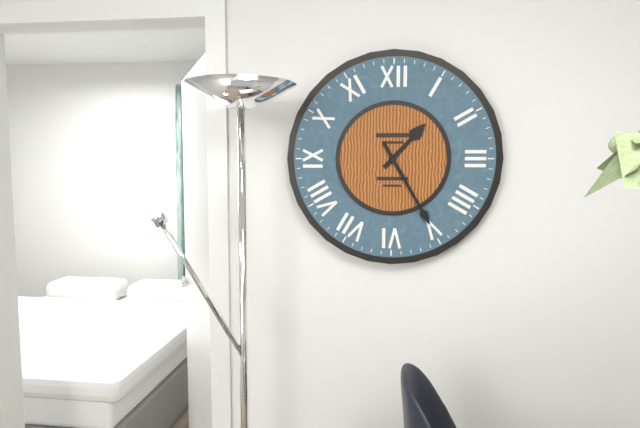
1:25
